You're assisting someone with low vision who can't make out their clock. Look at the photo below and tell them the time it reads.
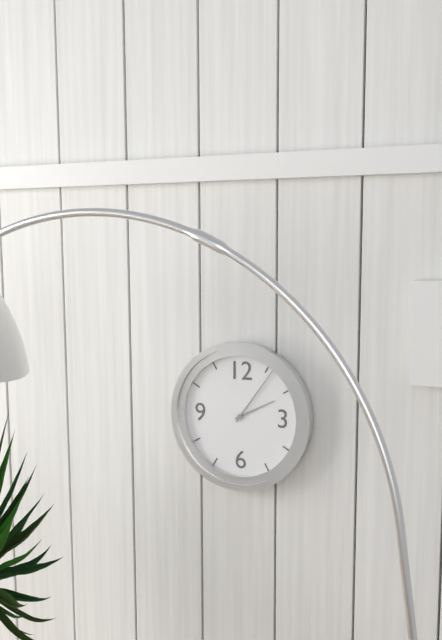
2:06
